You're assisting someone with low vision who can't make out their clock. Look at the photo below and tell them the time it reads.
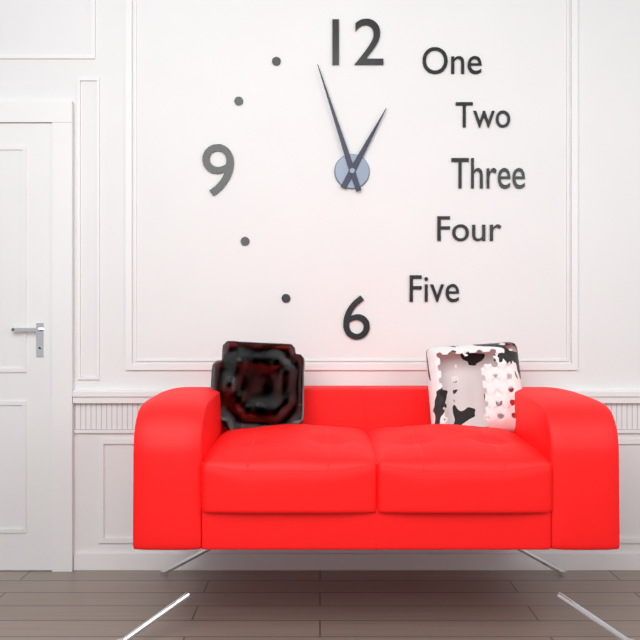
12:57
